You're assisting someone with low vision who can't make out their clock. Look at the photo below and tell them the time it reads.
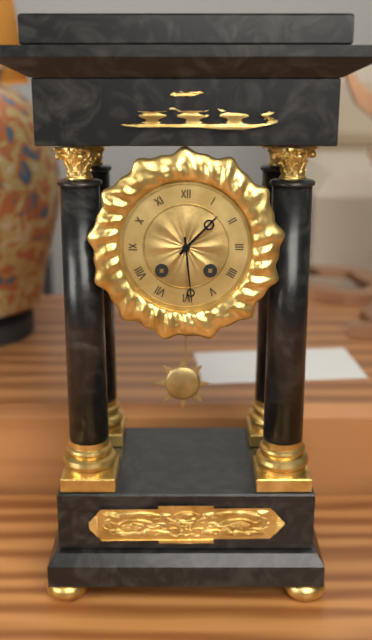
1:29
